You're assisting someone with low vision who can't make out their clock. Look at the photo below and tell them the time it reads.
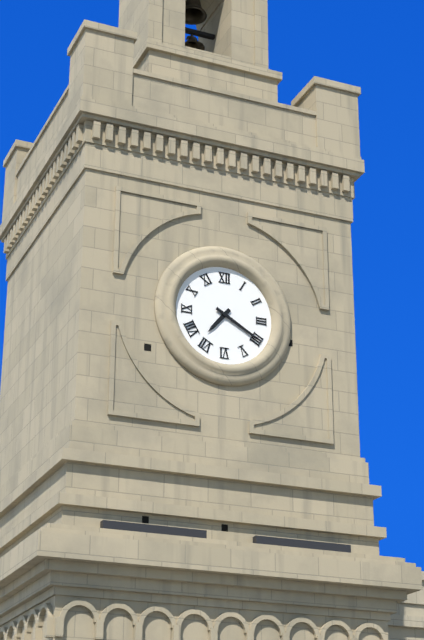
7:20
